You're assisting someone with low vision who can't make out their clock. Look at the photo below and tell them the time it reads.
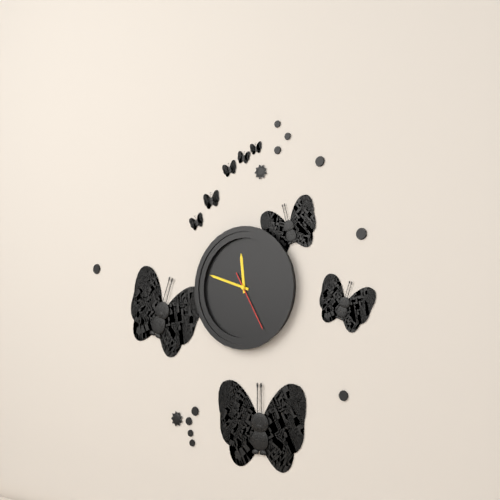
11:48:25
